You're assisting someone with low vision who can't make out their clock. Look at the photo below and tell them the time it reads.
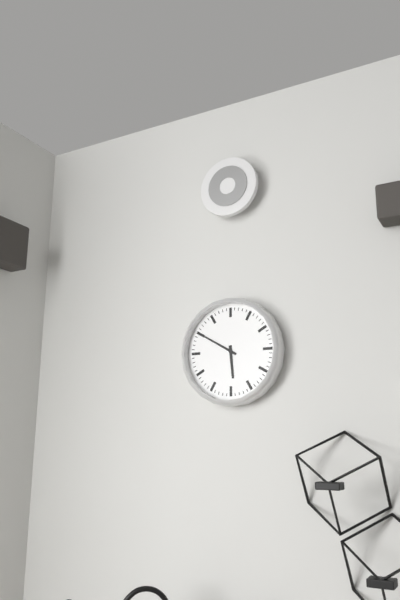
5:50
